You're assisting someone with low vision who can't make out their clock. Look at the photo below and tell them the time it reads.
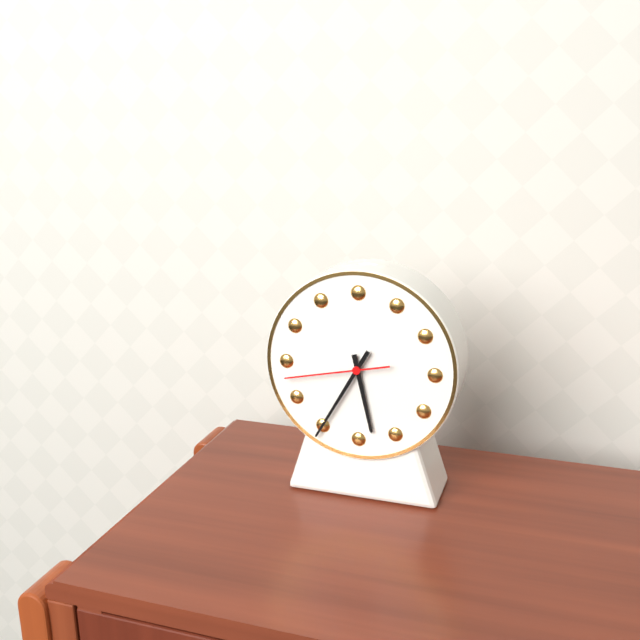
5:35:43
